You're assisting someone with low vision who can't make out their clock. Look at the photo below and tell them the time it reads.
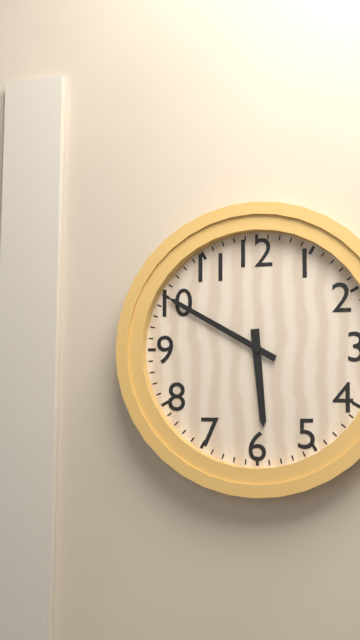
5:50
